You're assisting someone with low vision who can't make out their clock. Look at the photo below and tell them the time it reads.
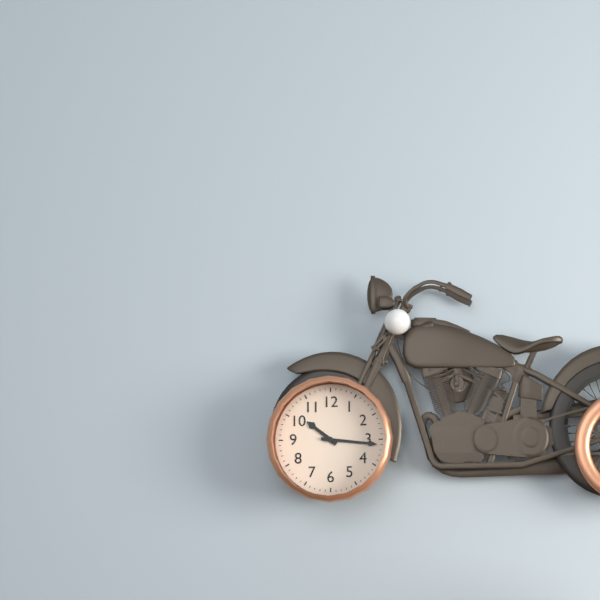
10:16
